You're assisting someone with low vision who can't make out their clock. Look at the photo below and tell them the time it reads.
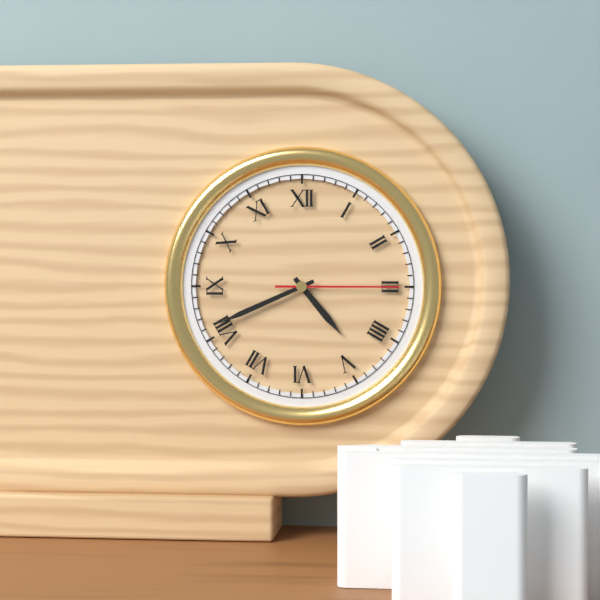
4:41:15
